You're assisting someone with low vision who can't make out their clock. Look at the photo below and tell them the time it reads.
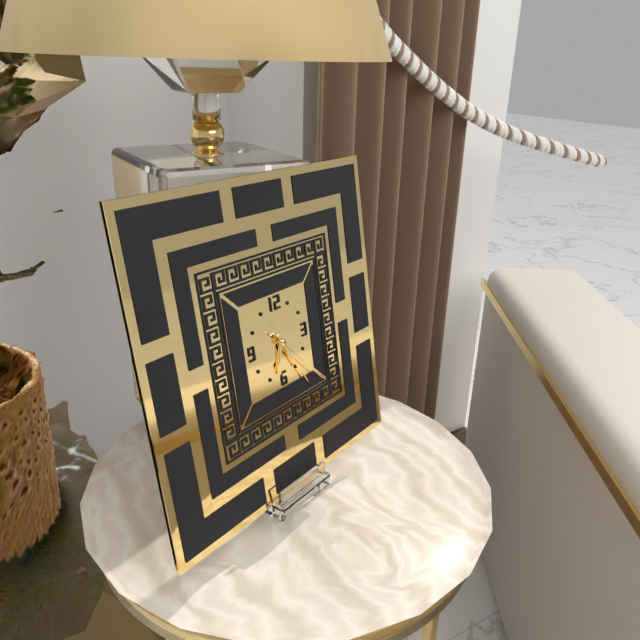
6:25:23
